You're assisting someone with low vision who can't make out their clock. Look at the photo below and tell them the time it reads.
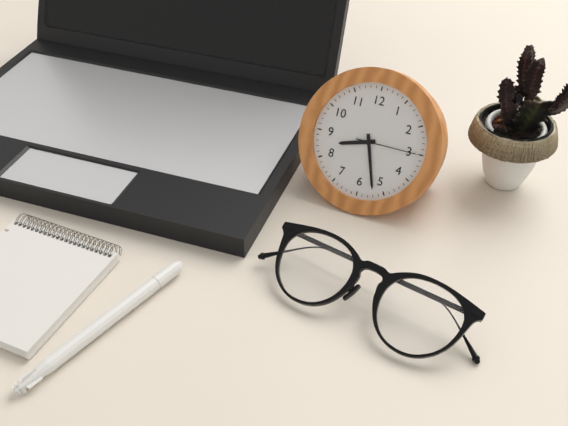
8:27:15
